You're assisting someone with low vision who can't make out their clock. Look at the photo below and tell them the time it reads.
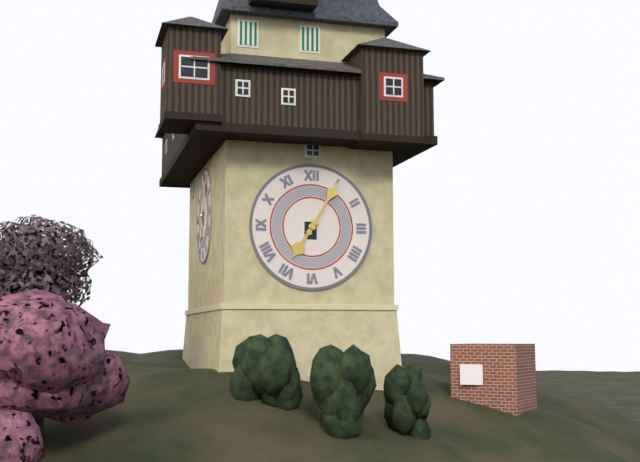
7:05
